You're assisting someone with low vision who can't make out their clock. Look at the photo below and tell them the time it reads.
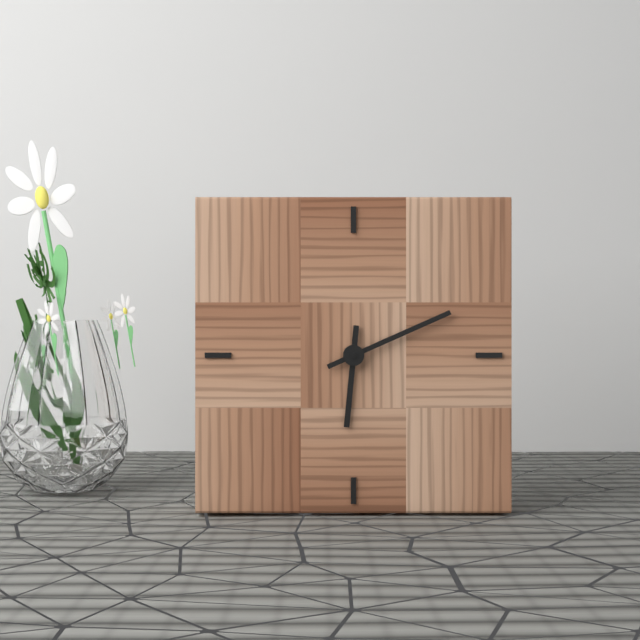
6:11
